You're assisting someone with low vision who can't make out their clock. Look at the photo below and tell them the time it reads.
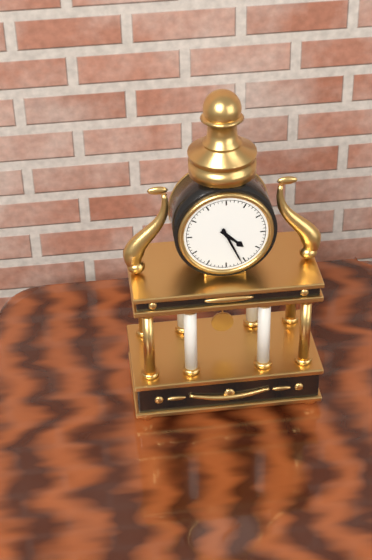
4:26
